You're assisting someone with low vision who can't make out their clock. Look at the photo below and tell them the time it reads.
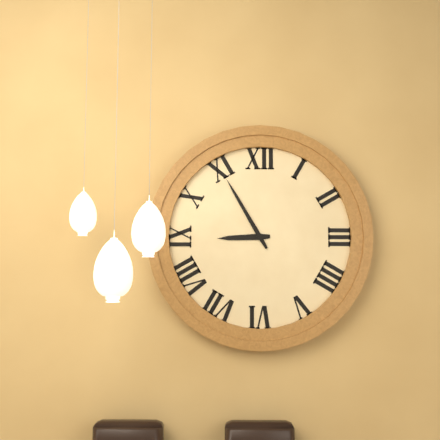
8:55
